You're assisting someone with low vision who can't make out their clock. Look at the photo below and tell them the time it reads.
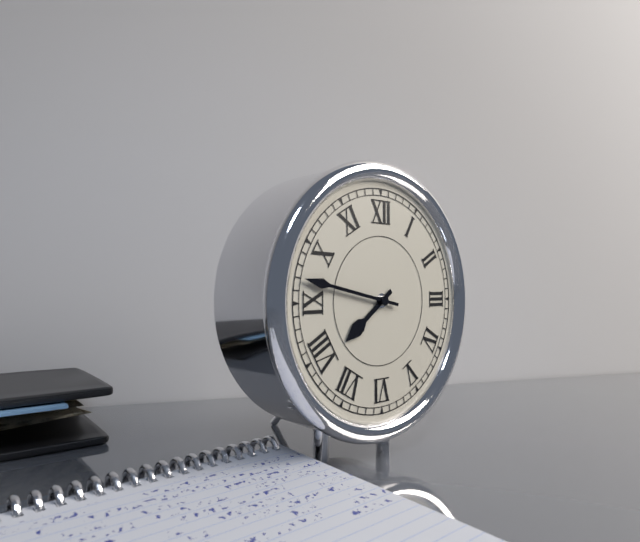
7:47
